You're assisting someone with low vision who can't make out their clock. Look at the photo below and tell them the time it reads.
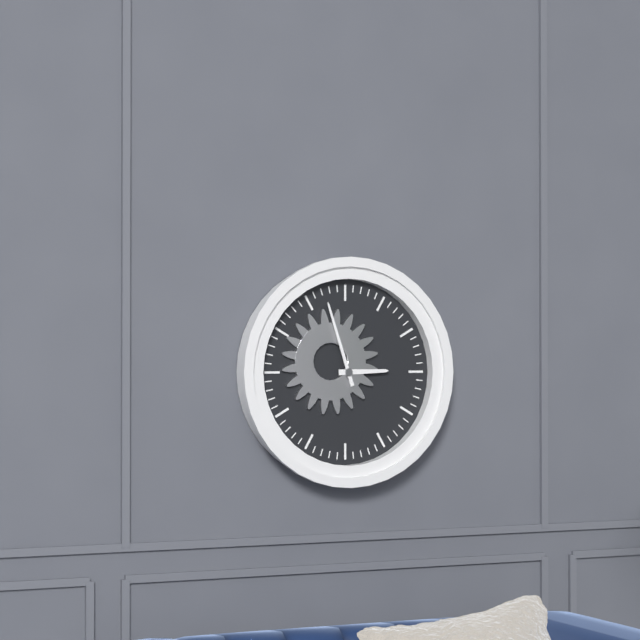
2:57
